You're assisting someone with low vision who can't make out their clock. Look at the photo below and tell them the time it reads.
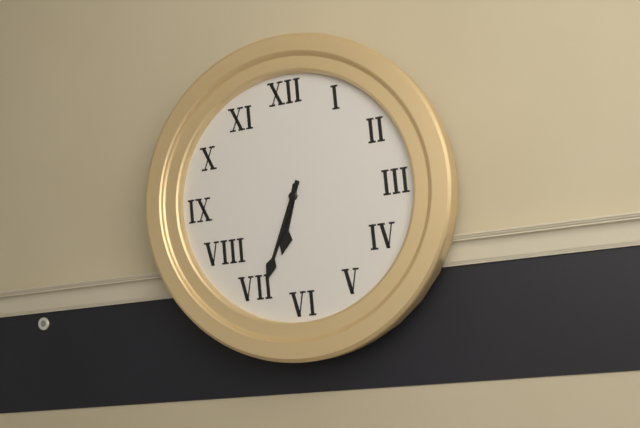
6:34
